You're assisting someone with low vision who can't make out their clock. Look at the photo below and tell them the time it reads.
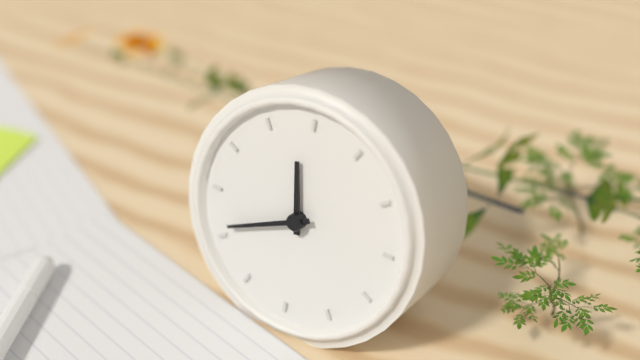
11:41
